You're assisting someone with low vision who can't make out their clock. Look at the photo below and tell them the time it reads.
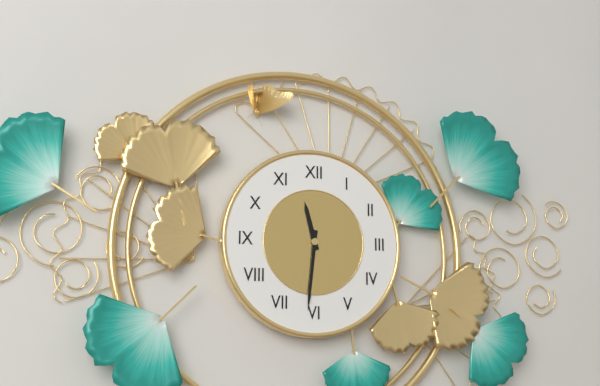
11:31
